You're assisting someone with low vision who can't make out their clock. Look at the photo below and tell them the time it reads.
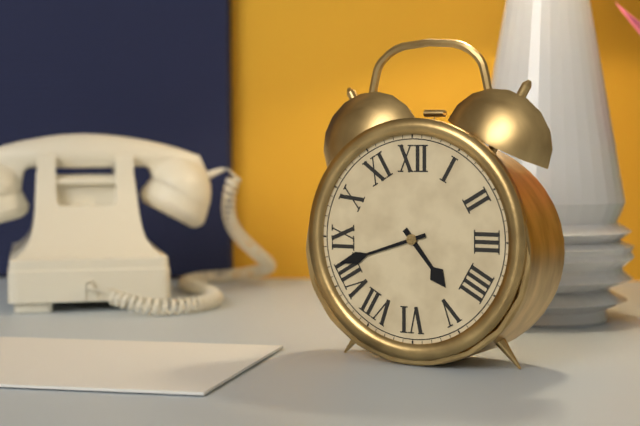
4:42
